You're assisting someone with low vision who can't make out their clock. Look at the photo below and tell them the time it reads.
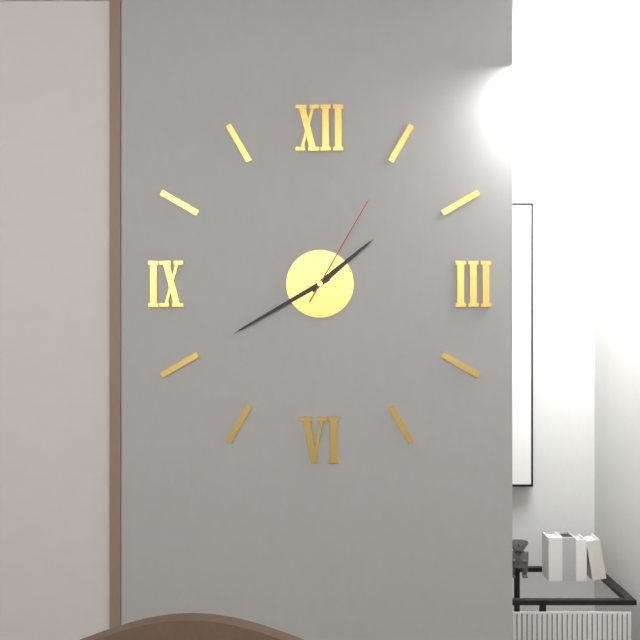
1:40:05
